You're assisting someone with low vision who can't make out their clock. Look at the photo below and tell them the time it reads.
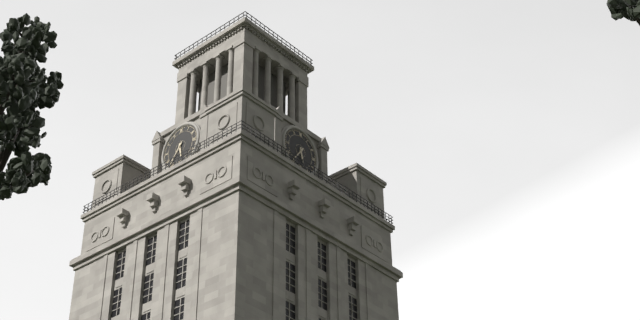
5:36
